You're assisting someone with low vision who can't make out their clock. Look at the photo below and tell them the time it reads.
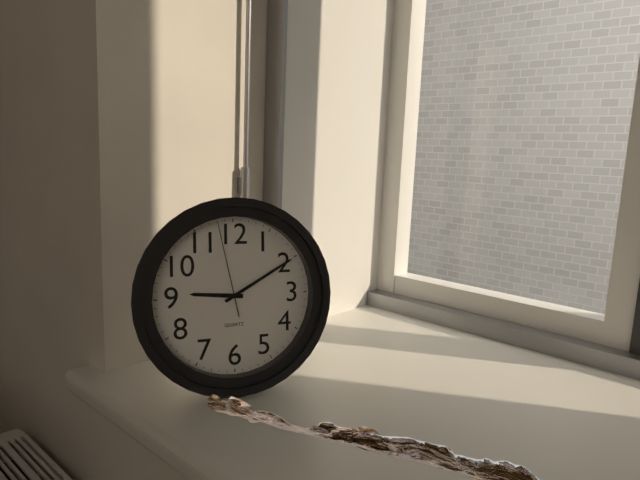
9:10:58
